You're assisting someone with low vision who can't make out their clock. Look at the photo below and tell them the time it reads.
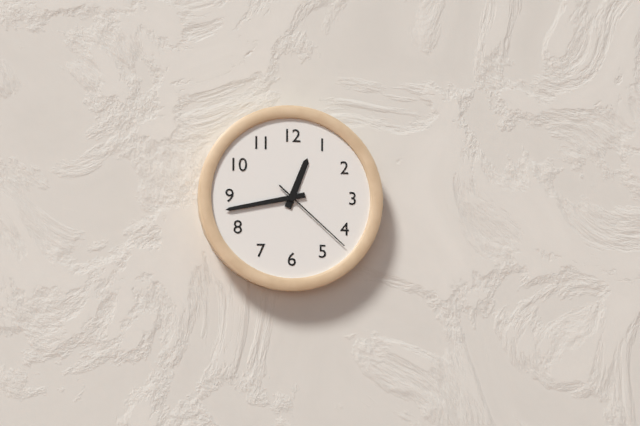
12:43:22
